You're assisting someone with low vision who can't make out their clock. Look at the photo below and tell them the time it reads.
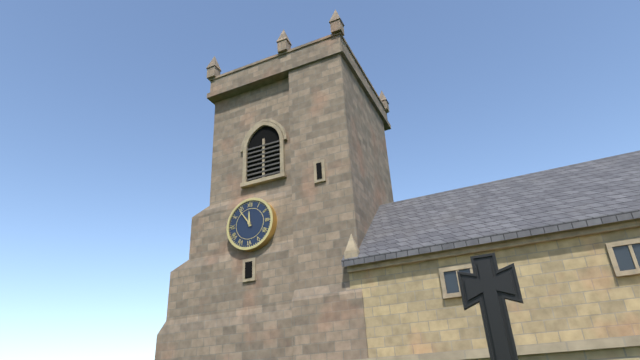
11:54
